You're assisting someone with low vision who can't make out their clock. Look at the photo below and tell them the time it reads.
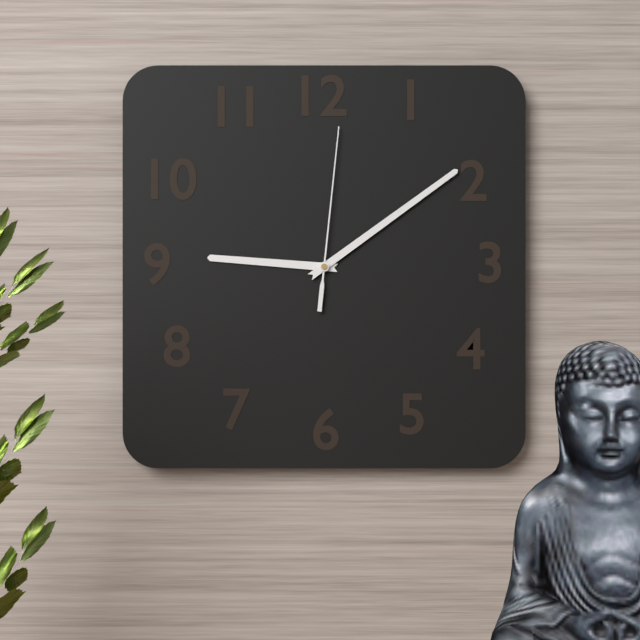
9:09:01
